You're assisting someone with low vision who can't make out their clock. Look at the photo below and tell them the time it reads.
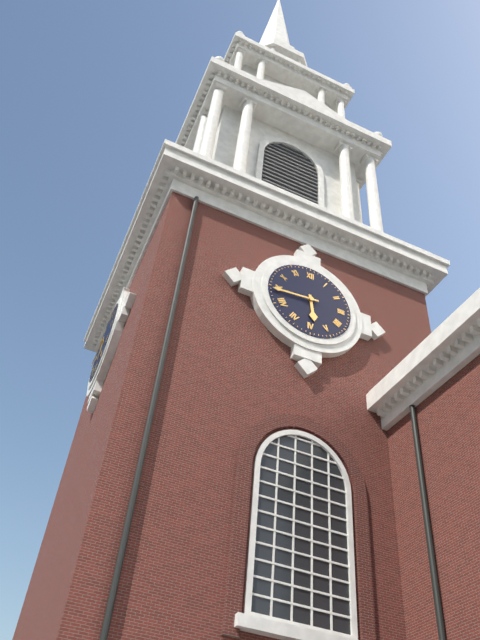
5:44
